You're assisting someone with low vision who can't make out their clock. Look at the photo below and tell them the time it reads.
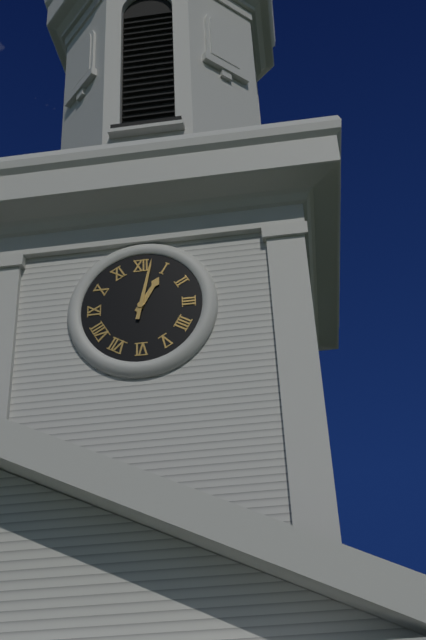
1:02
